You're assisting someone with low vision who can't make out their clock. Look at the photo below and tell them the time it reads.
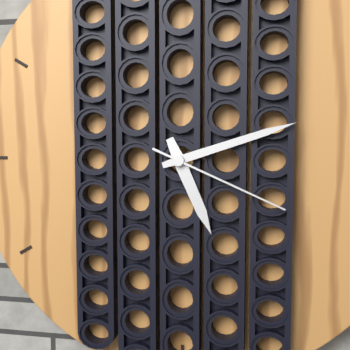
5:12:19
